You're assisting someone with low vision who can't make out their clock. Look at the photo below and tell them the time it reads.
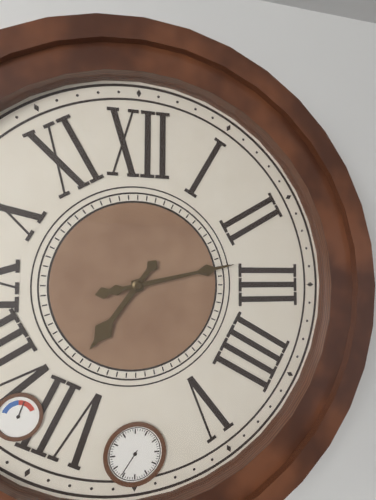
7:13
